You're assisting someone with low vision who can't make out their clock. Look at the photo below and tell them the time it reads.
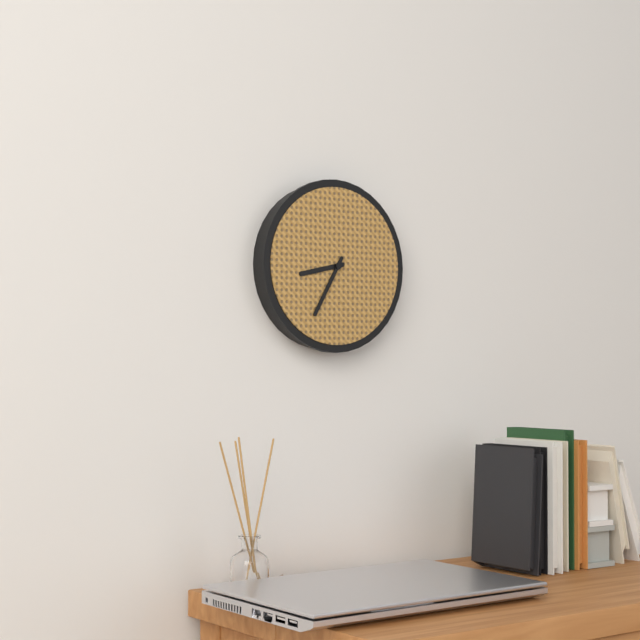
8:35
